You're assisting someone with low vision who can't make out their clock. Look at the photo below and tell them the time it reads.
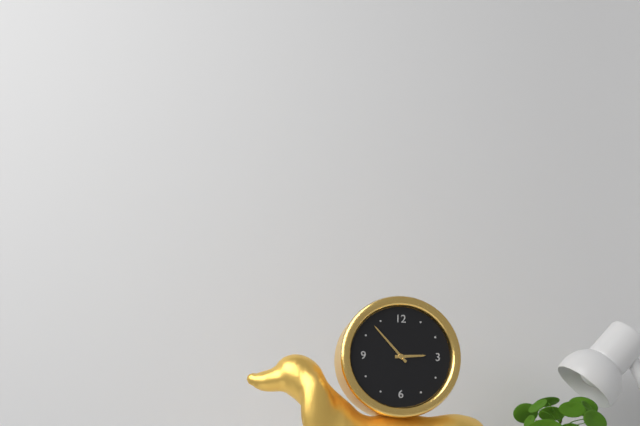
2:53
